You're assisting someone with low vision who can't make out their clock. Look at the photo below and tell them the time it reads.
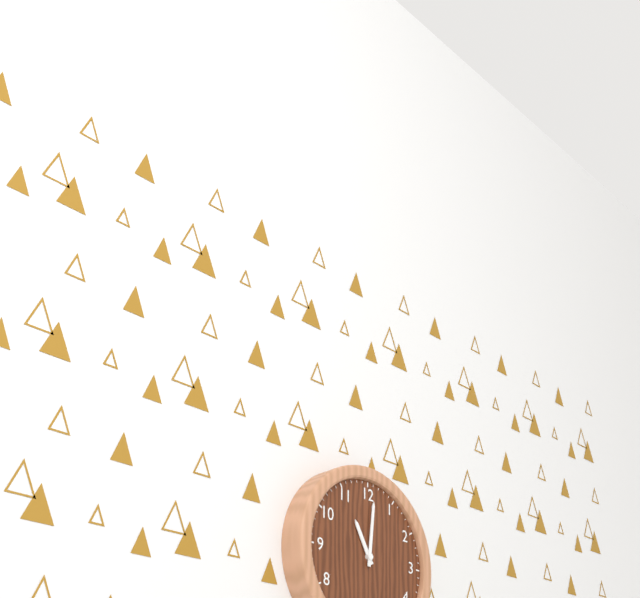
11:01
